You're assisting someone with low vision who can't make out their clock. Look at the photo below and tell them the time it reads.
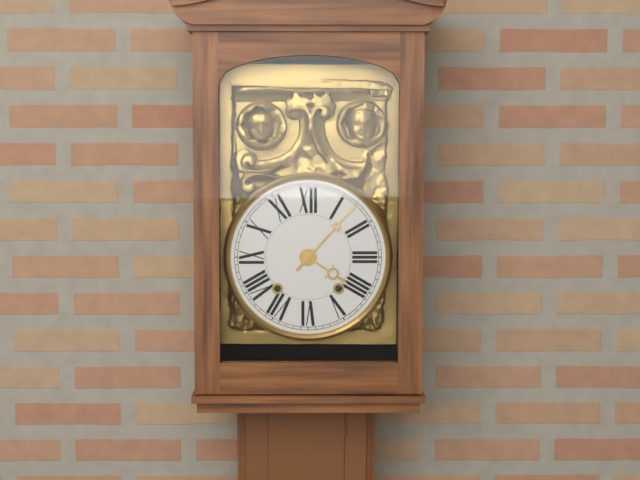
4:07
